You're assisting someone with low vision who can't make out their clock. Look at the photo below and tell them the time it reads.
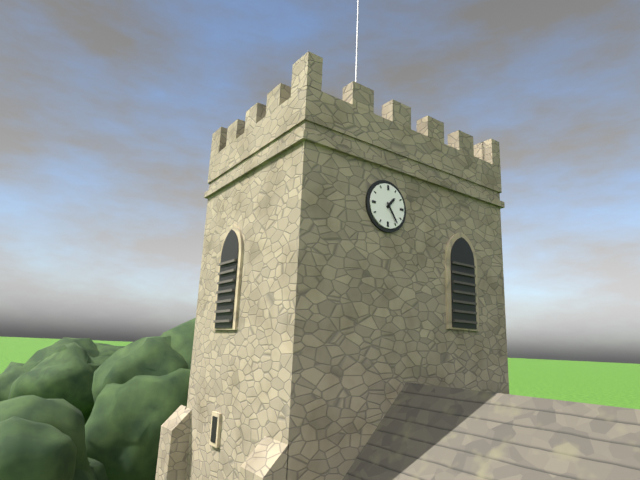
1:24
